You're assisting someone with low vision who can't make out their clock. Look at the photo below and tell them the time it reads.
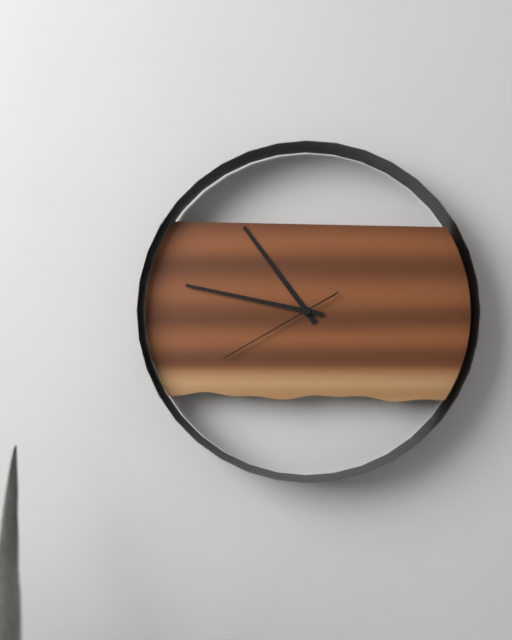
10:47:40
